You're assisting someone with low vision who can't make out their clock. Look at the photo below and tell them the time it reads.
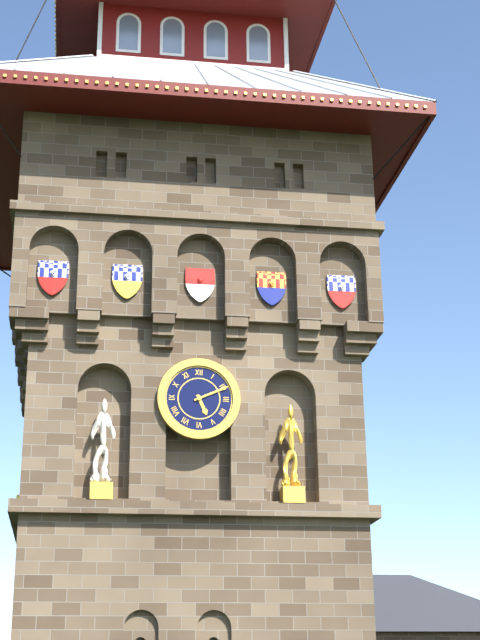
5:11
